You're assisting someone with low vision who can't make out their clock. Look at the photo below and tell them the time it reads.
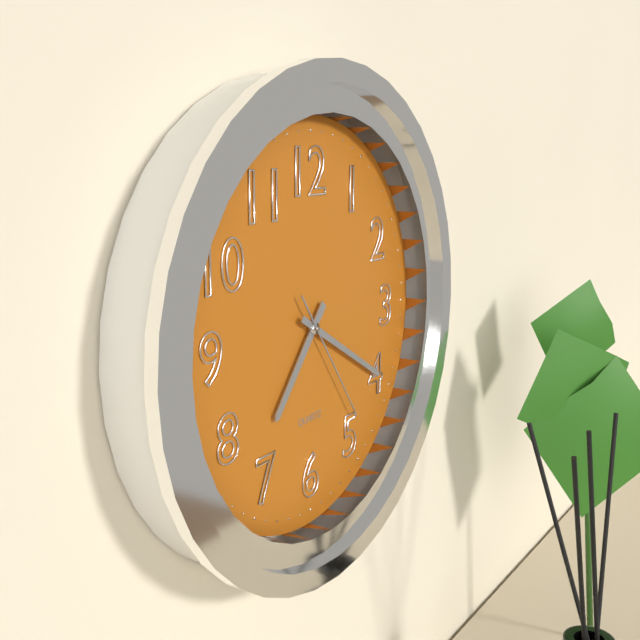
7:20:24
